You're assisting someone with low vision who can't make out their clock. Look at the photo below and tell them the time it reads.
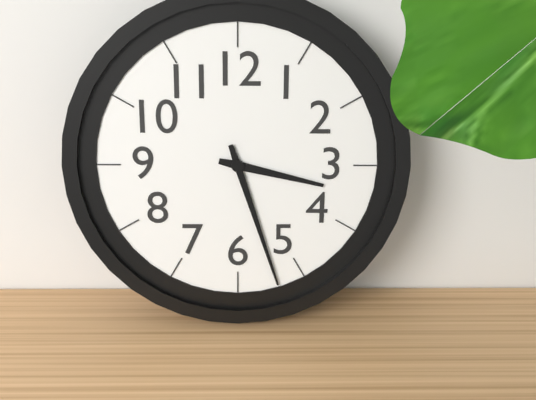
3:27
